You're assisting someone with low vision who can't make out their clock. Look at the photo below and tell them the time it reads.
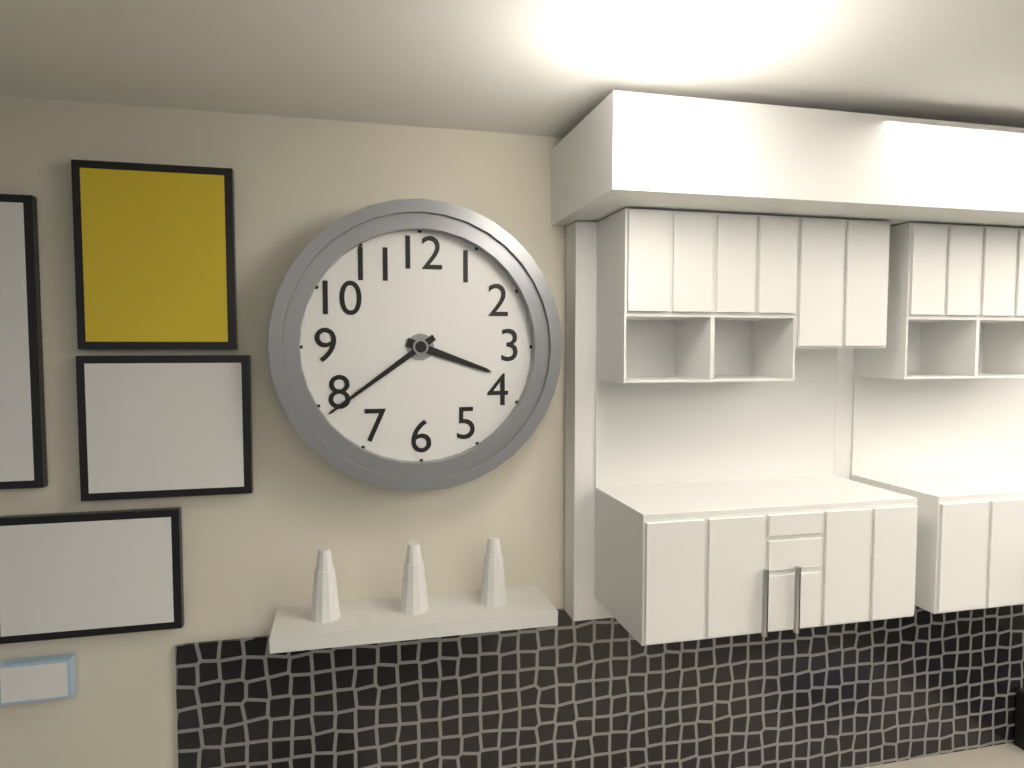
3:39
